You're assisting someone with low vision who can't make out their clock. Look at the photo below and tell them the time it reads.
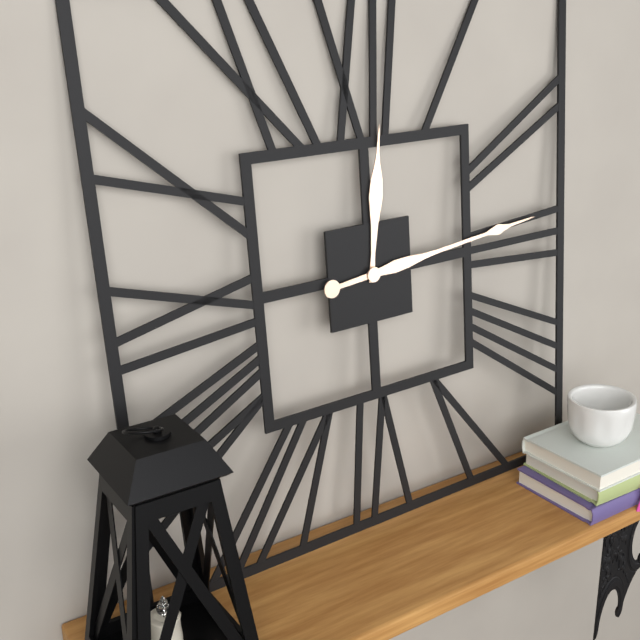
12:14
